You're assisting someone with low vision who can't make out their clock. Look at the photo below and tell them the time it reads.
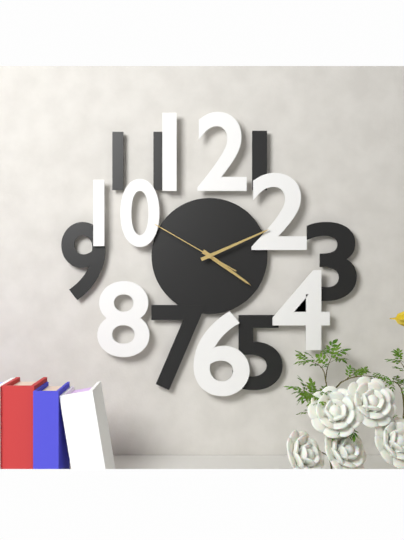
4:11:50
